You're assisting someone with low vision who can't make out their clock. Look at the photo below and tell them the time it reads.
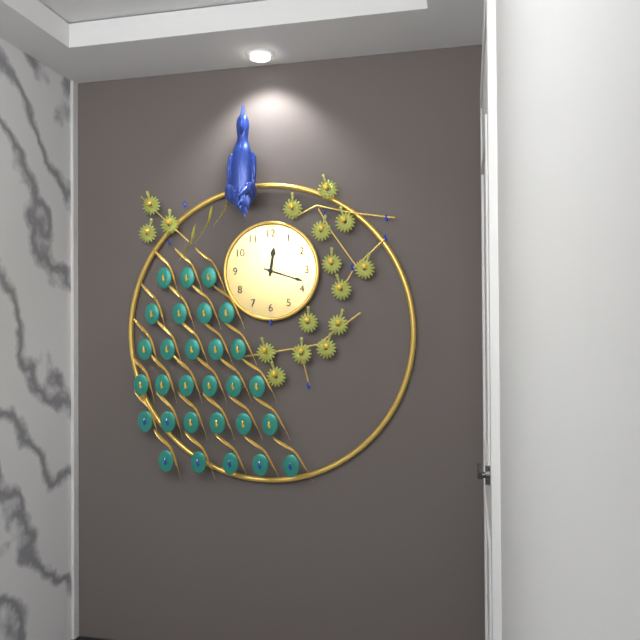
12:18
